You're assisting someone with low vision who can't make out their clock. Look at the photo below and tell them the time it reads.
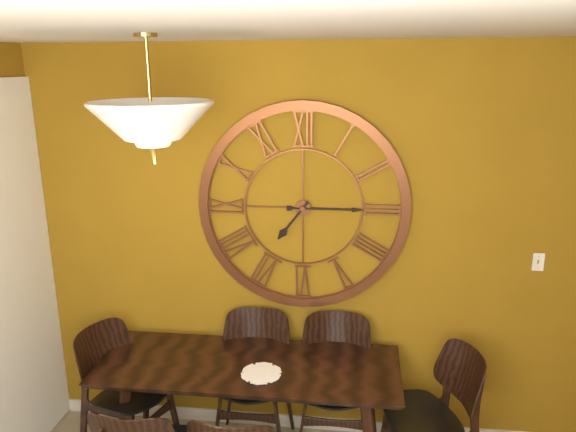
7:15
